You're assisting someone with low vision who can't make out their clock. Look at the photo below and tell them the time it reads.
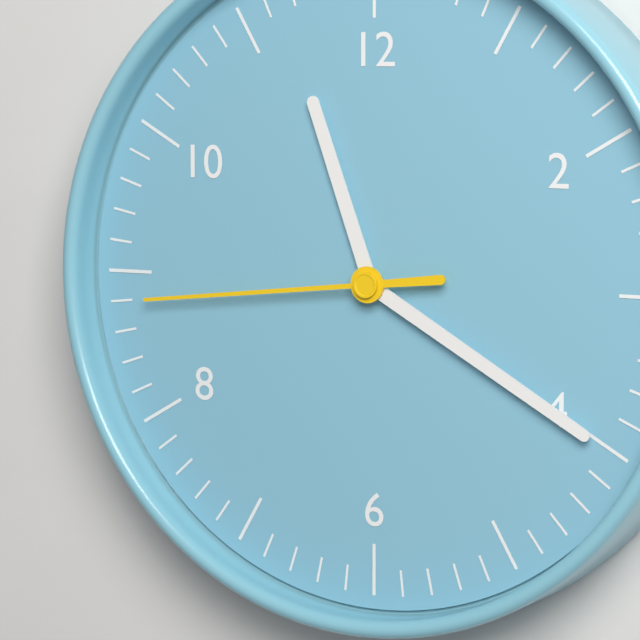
11:20:44
